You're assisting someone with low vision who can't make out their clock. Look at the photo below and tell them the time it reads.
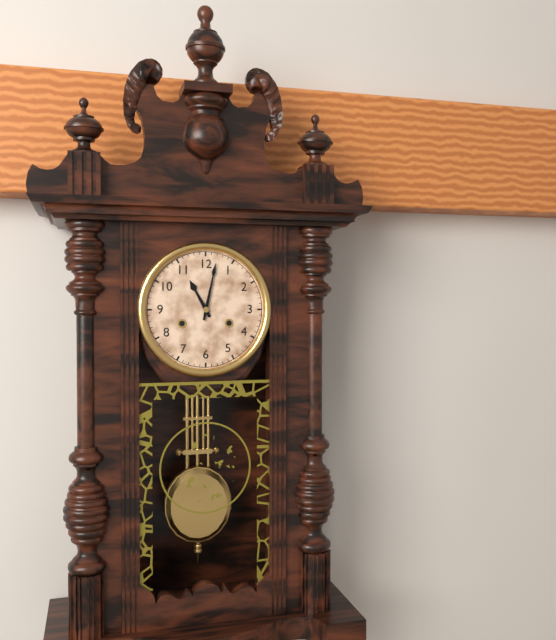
11:02
